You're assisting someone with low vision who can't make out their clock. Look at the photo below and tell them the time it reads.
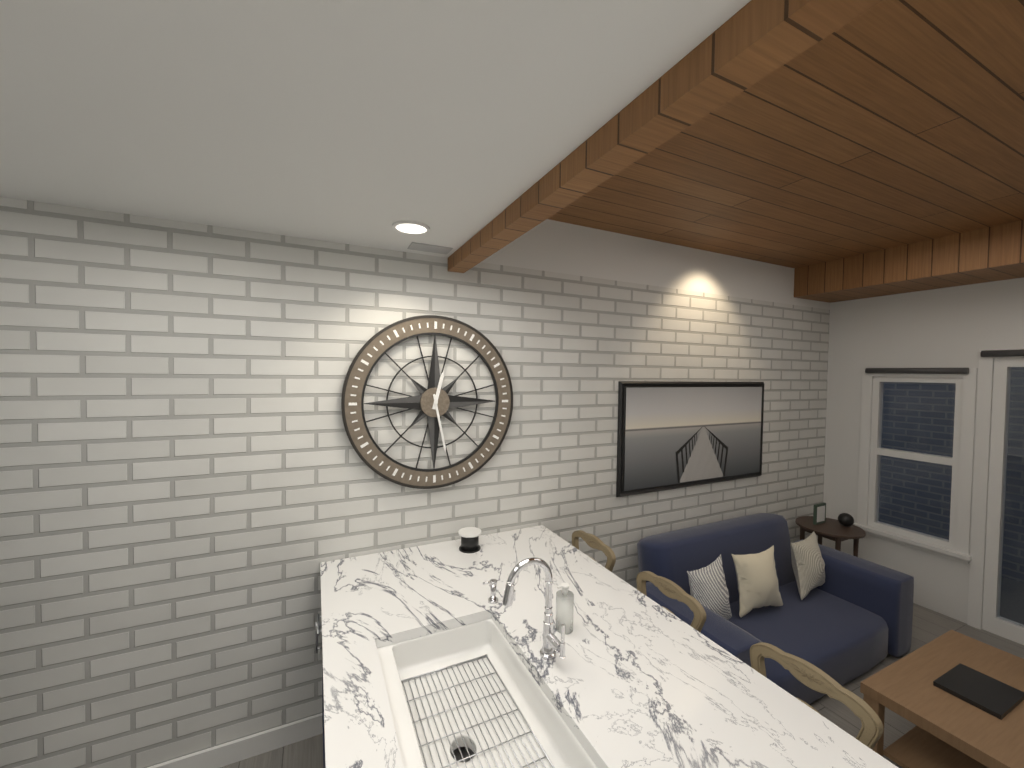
12:28
